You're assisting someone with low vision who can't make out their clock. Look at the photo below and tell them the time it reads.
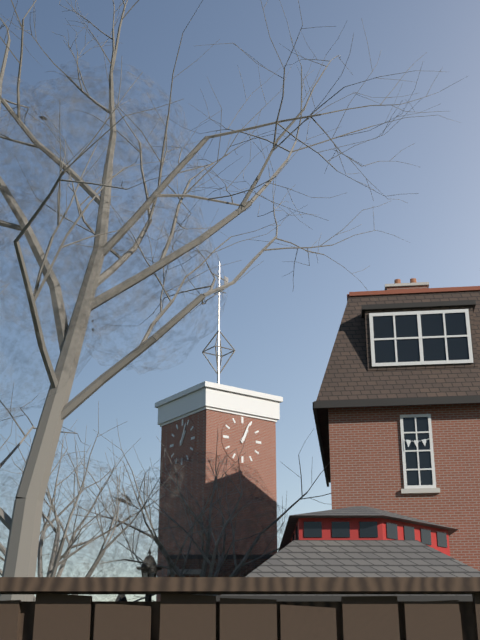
1:04
